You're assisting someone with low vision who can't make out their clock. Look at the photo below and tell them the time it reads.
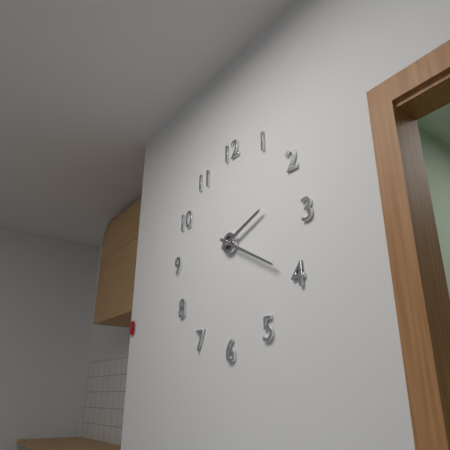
2:20
